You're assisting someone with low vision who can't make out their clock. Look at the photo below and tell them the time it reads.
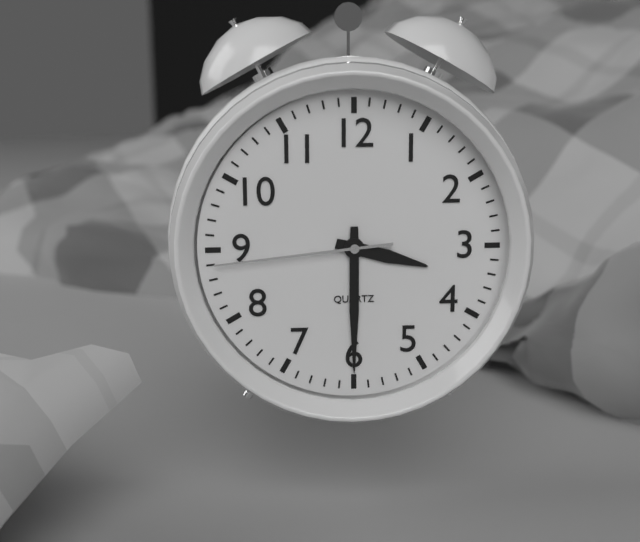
3:30:44
